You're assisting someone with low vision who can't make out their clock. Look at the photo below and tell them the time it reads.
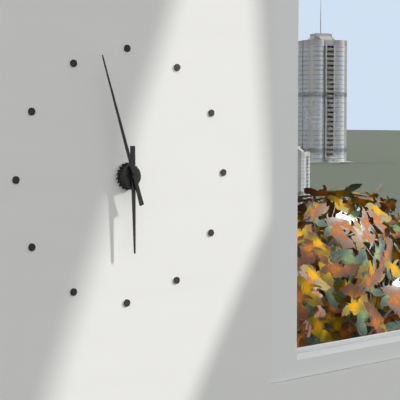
5:57
